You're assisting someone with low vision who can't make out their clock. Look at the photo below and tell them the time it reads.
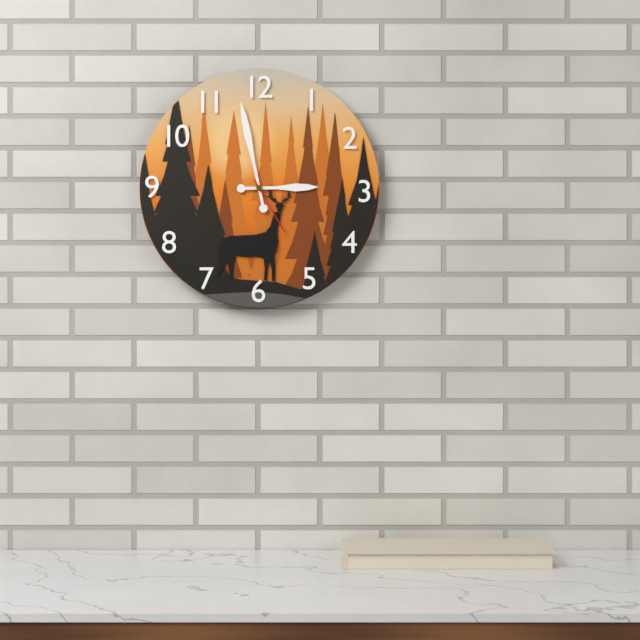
2:58:25
